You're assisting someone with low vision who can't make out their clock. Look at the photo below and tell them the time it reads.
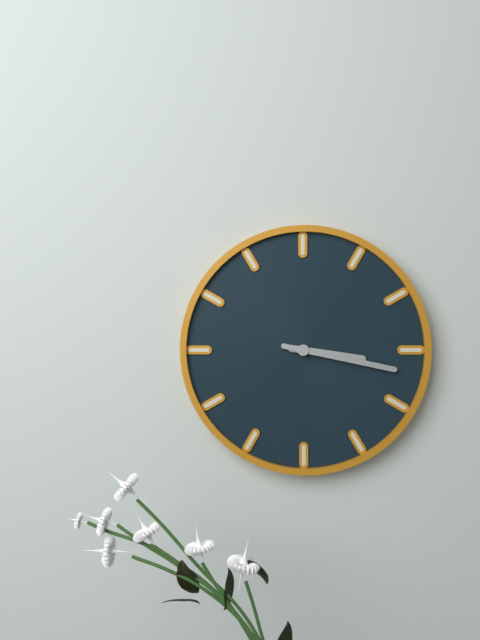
3:17
